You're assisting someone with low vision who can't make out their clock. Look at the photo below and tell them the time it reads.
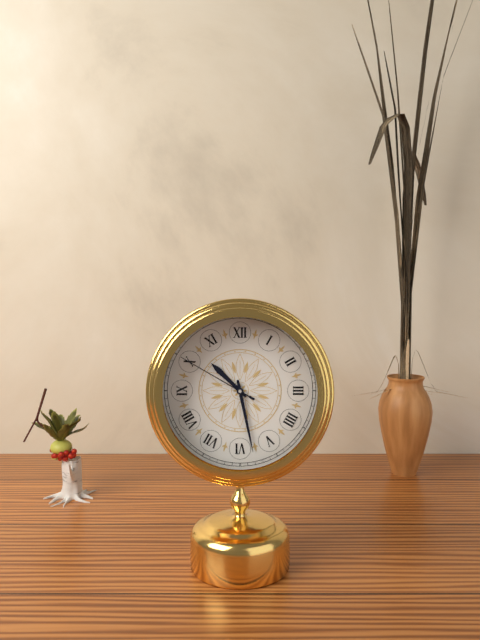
10:28:50
